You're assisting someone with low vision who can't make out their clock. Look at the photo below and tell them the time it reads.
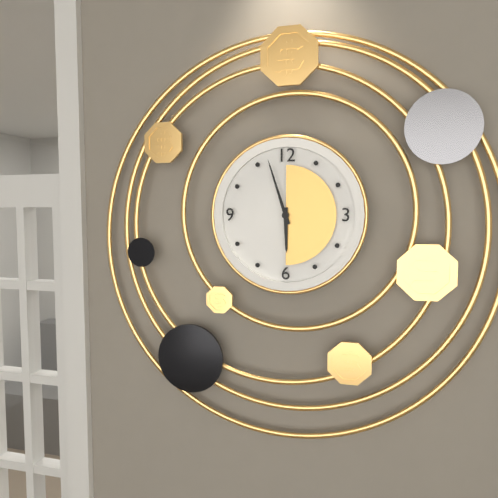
5:57
